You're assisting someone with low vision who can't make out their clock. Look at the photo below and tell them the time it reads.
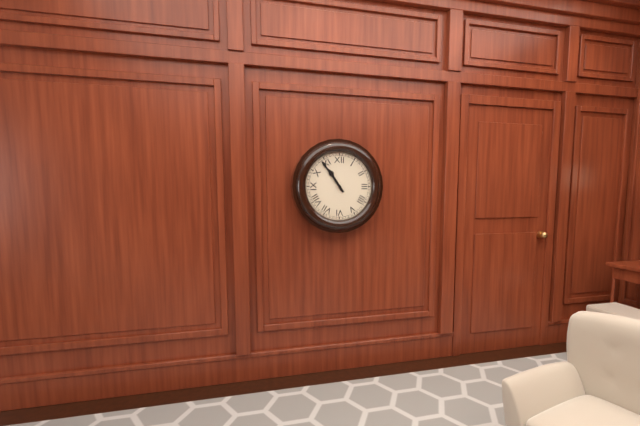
10:54
